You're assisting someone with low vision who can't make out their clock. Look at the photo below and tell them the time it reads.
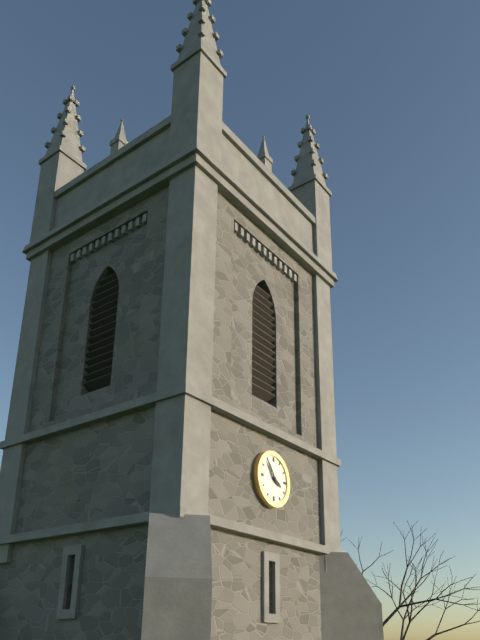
3:54
